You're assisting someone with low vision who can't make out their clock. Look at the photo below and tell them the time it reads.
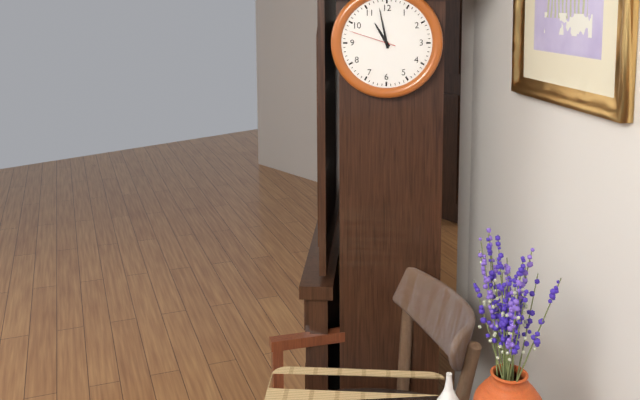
10:58
